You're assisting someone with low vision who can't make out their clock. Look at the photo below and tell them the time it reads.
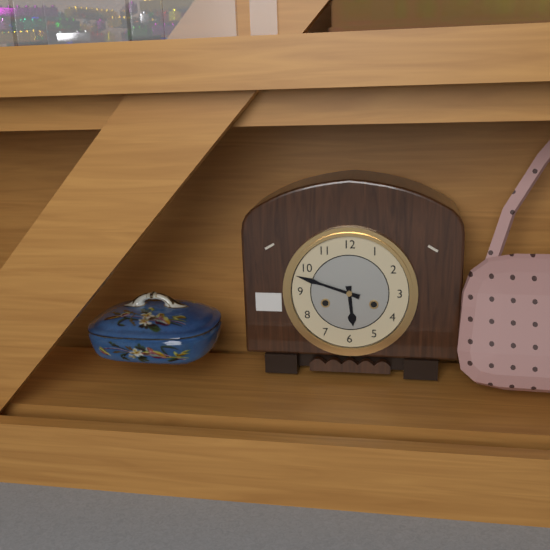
5:48
